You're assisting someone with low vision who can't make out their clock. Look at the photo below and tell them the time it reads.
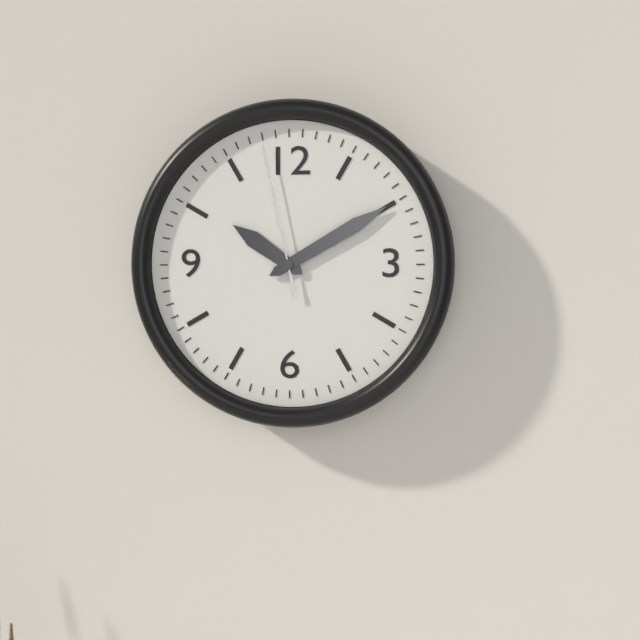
10:10:58
